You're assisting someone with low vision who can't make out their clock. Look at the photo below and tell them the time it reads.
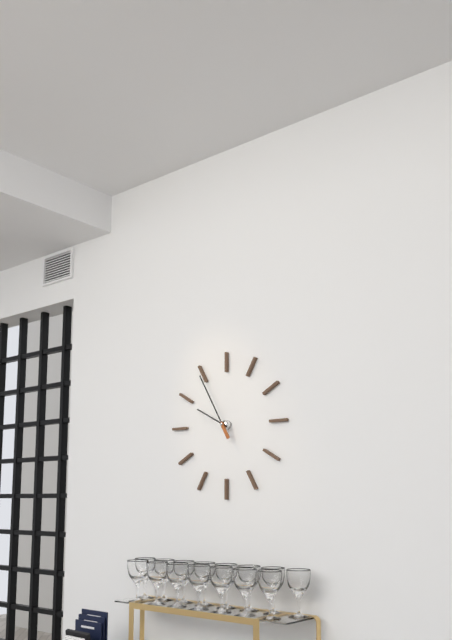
9:55
